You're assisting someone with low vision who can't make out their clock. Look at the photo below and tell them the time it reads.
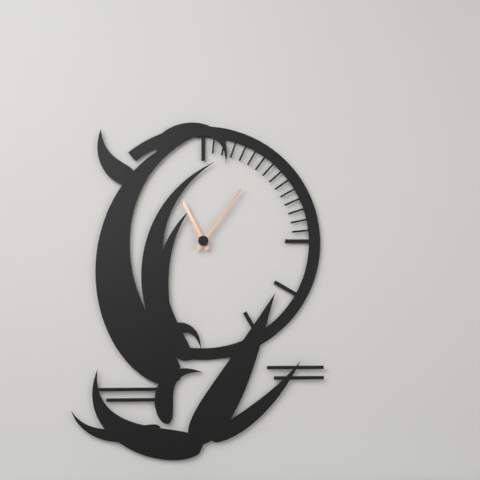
11:06
